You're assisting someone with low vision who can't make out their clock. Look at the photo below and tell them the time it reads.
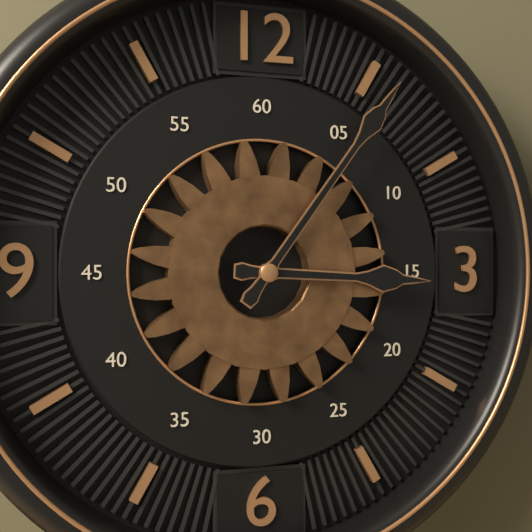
3:06
